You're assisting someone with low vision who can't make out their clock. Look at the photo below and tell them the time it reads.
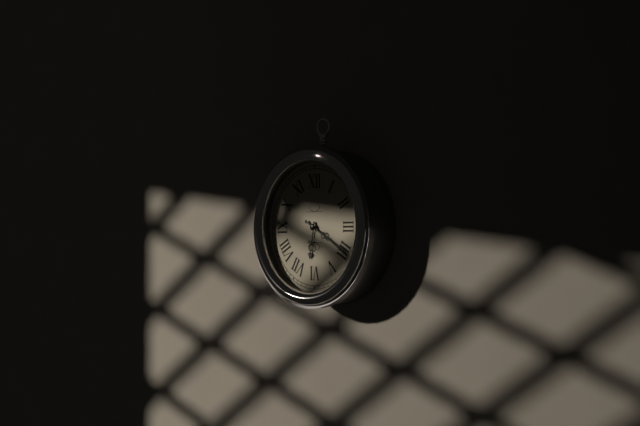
6:20
